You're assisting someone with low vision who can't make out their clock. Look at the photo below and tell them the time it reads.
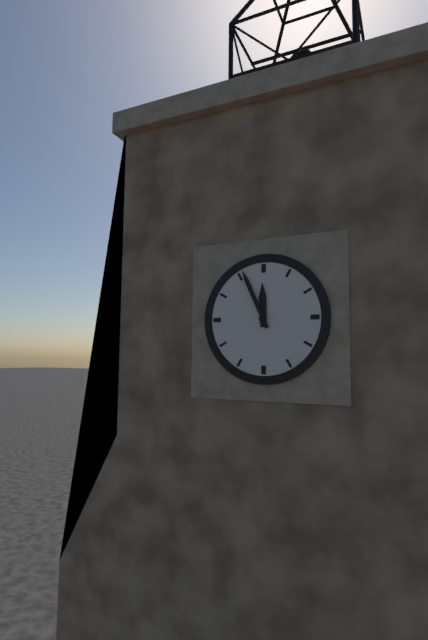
11:56
